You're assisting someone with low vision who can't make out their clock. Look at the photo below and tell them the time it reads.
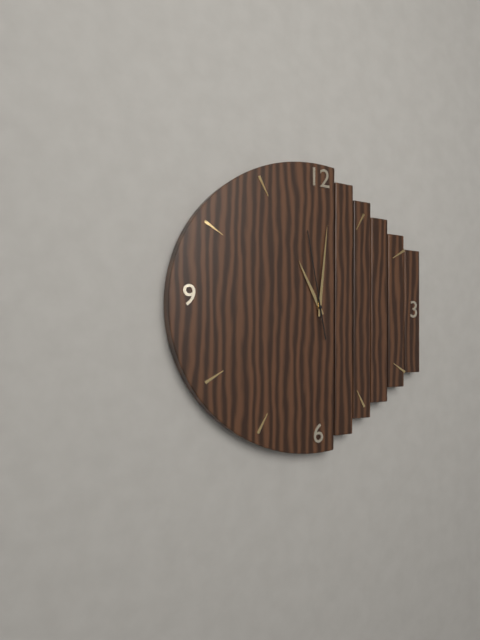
11:01:58
